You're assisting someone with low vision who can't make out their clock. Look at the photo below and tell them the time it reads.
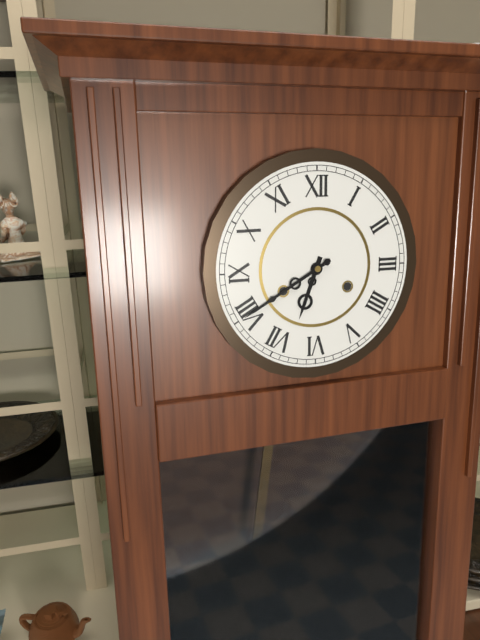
6:40
